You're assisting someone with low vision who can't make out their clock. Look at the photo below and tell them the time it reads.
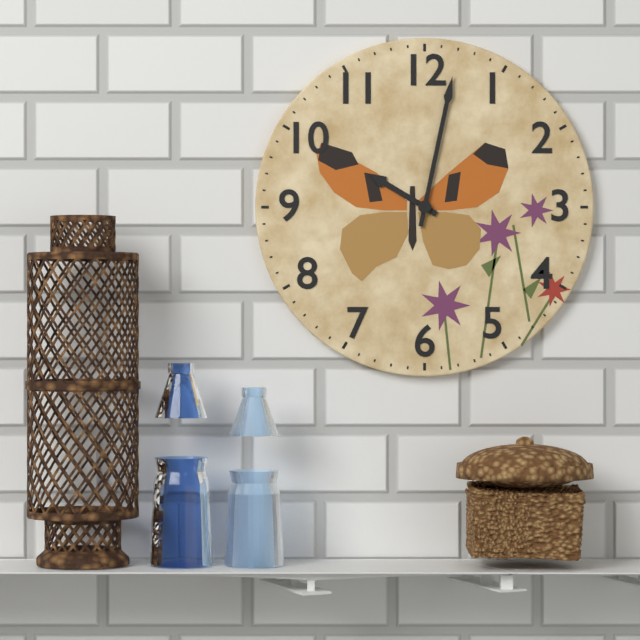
10:02
